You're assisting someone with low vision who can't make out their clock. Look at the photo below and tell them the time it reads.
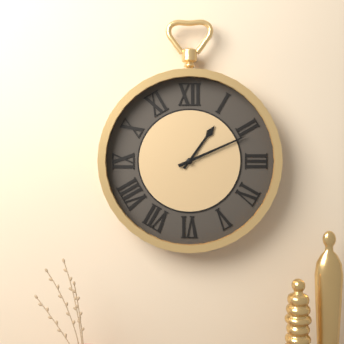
1:11
